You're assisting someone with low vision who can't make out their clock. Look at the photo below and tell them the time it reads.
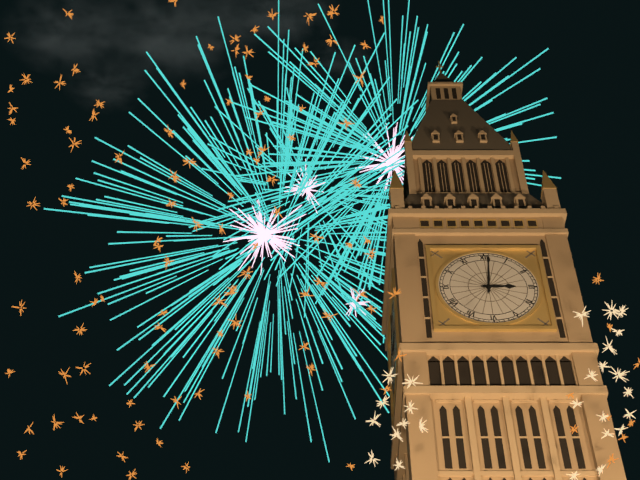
3:01
